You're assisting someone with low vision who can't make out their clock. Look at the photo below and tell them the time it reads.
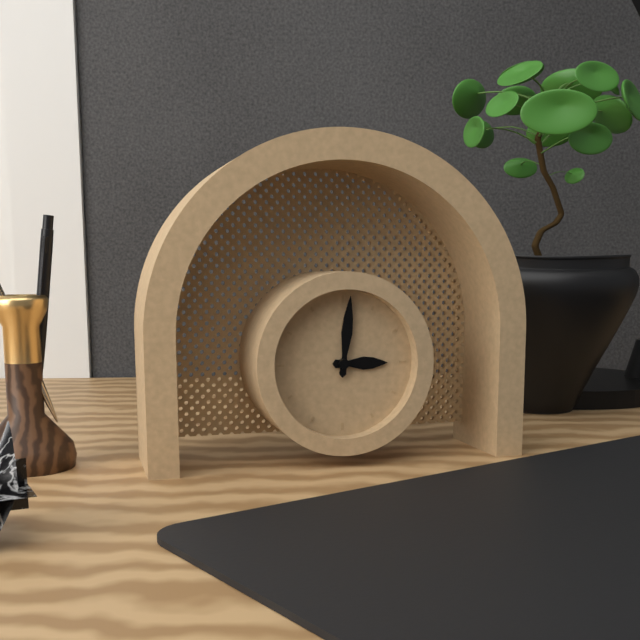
3:01
